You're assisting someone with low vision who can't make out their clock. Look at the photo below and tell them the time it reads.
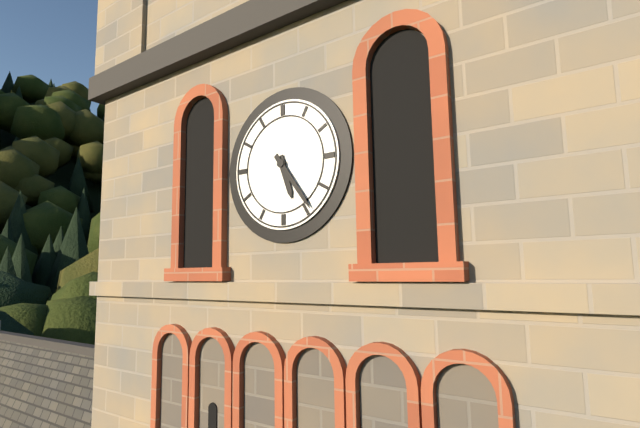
5:24
